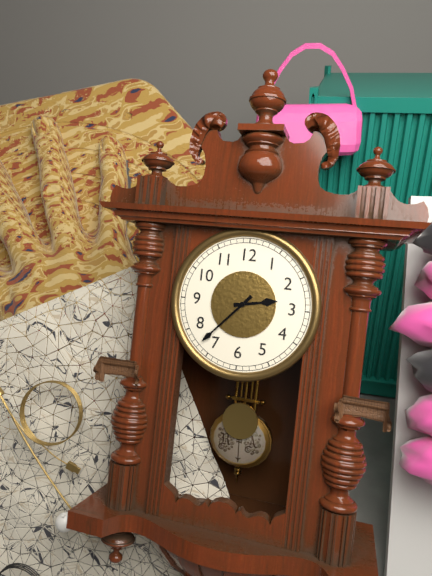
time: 2:37
